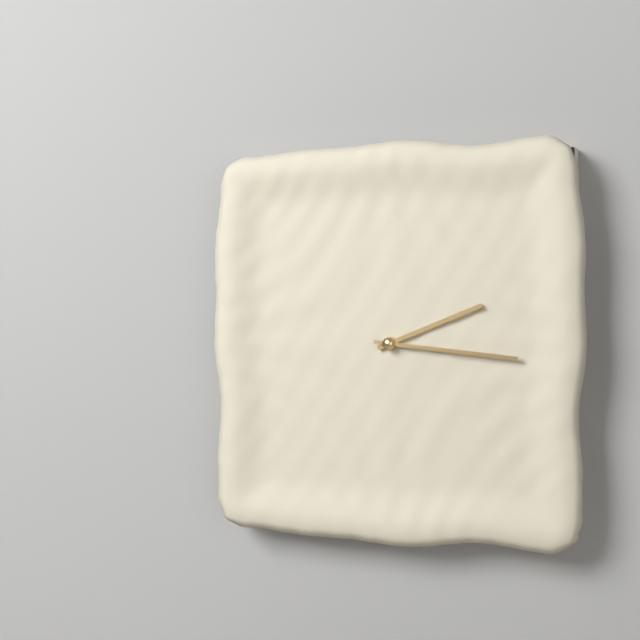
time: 2:16
